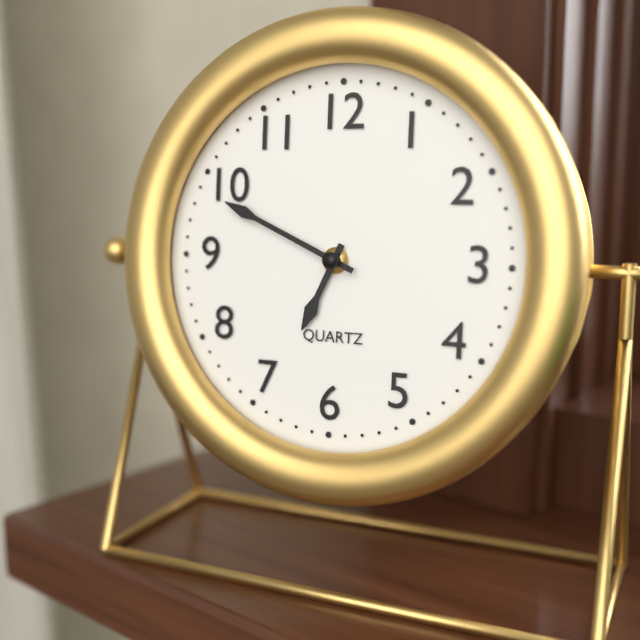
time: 6:49
